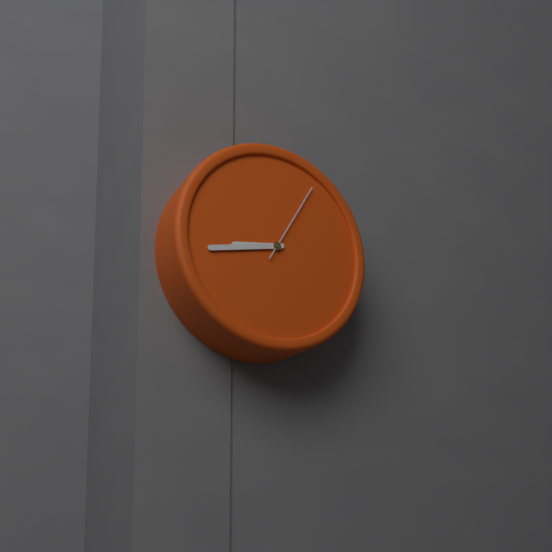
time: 8:43:05
